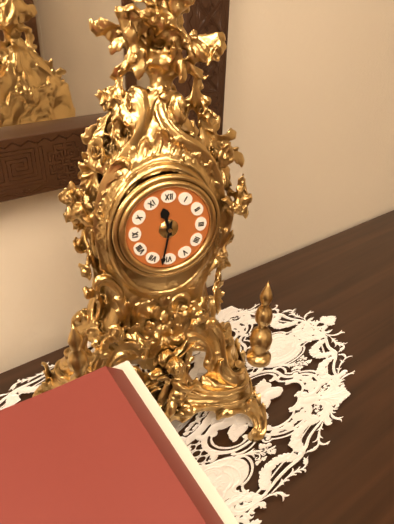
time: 11:32
